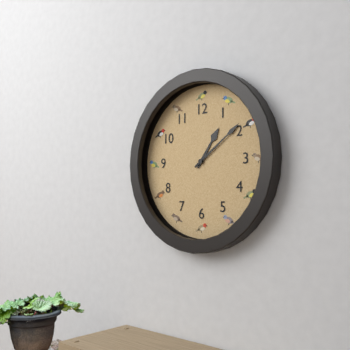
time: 1:09
